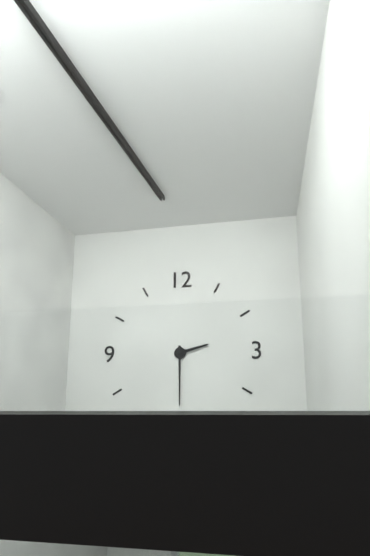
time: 2:30
